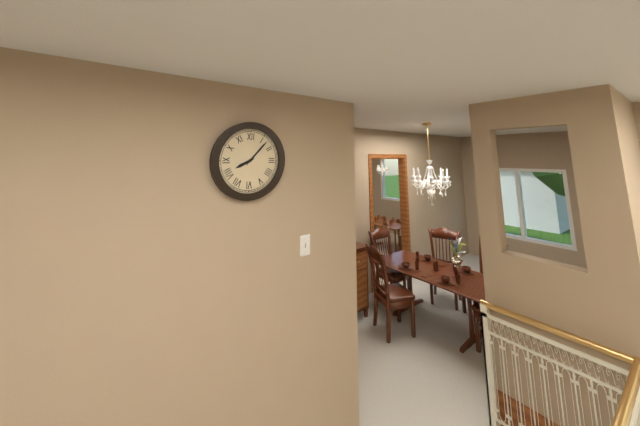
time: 8:07
